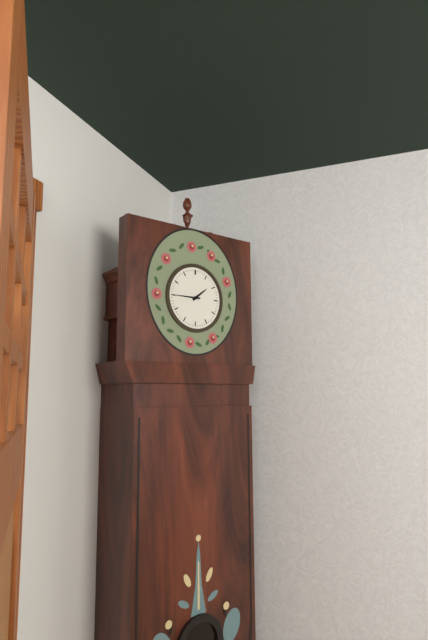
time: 1:45
